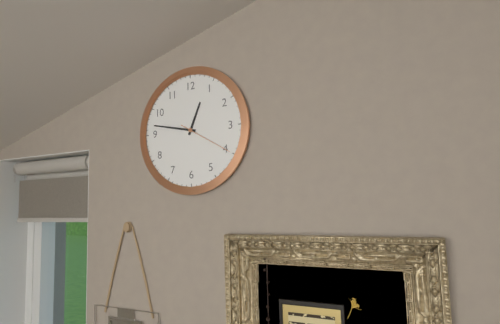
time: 12:47:20
